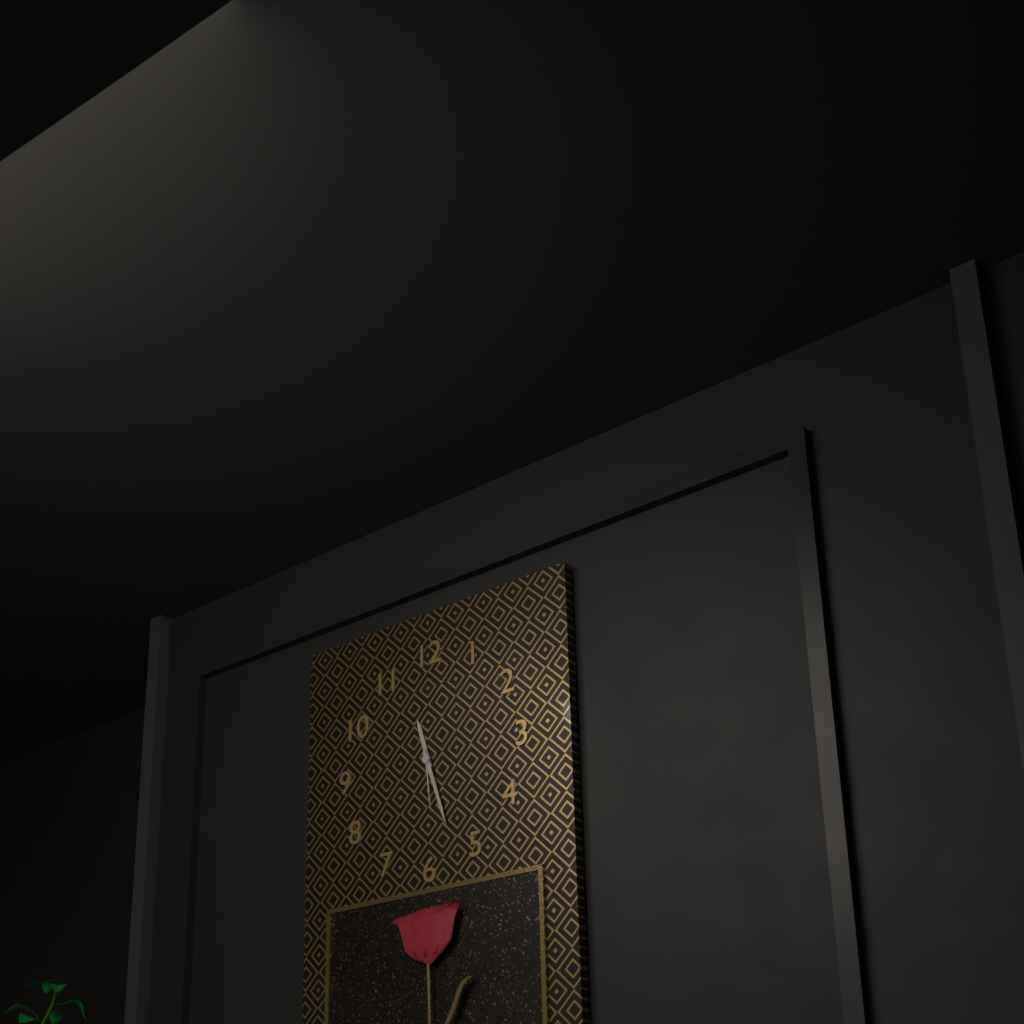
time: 11:27:29
